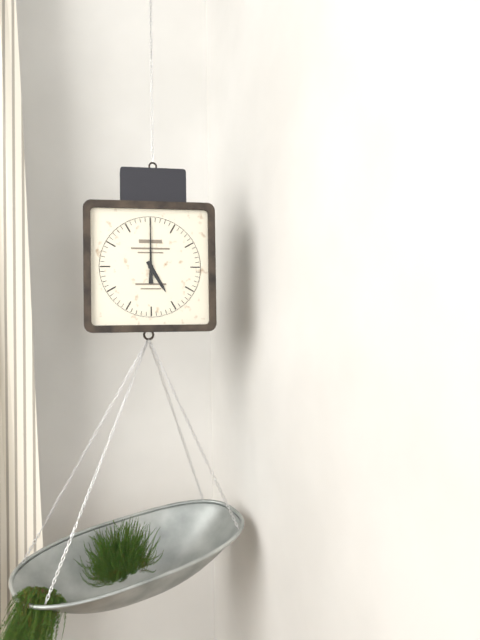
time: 5:00
